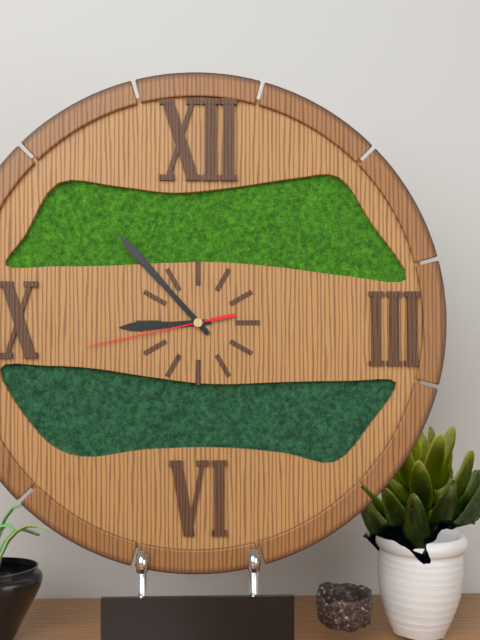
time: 8:53:43
